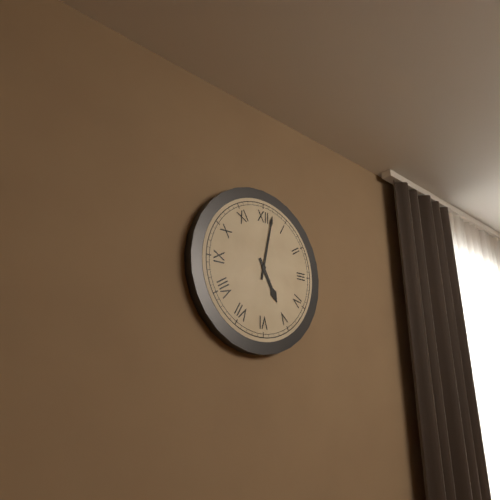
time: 5:02
